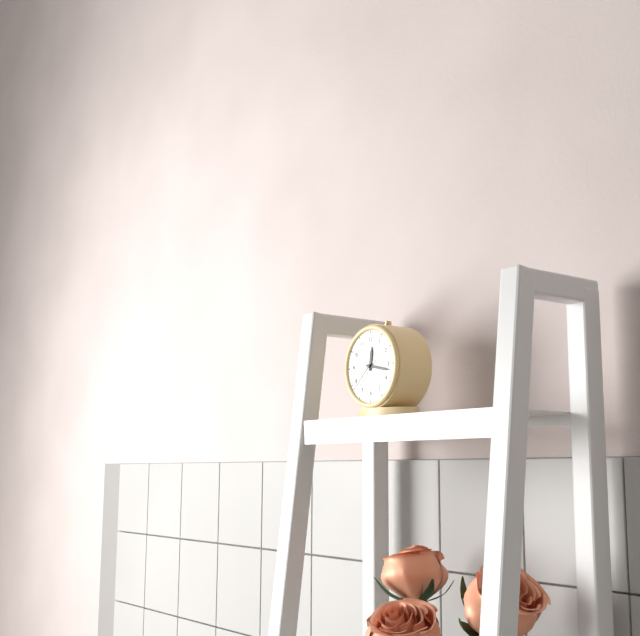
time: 12:17
